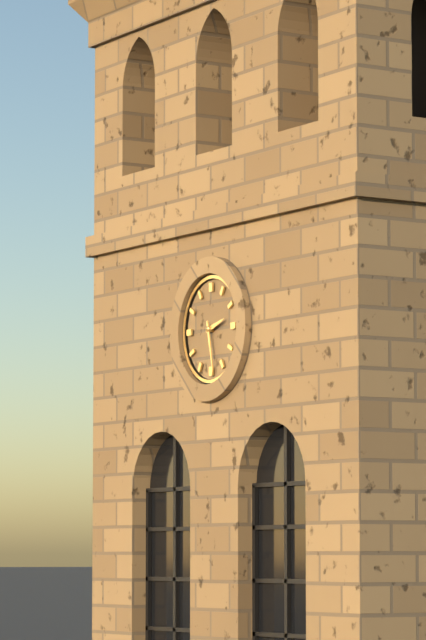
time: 2:28
